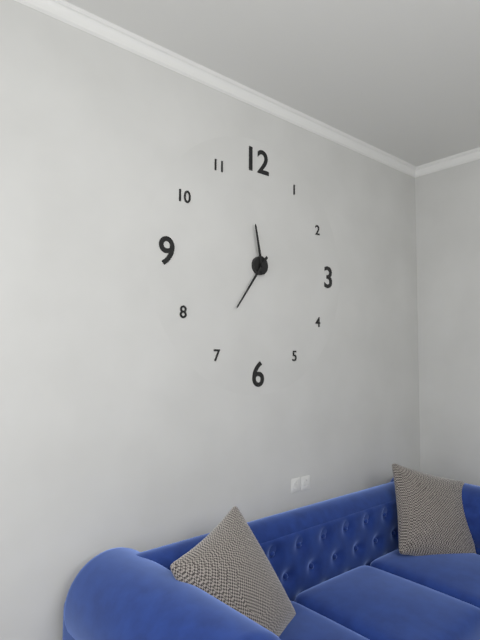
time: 11:36
